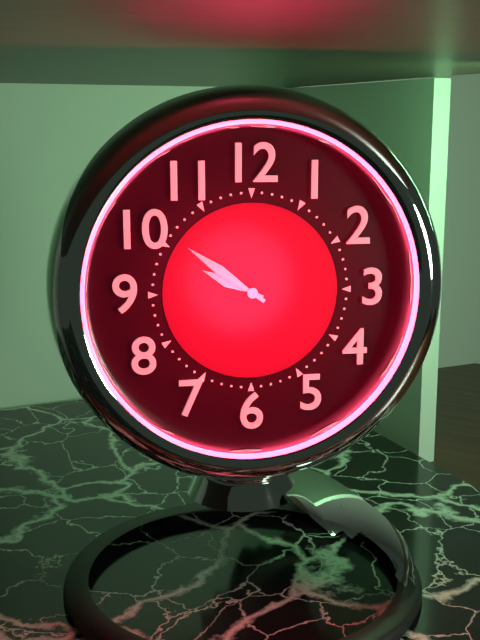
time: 9:51
